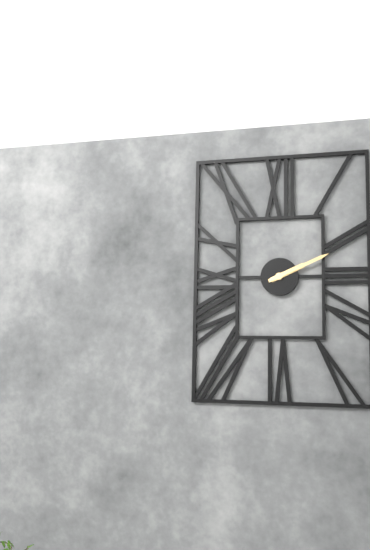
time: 2:11
